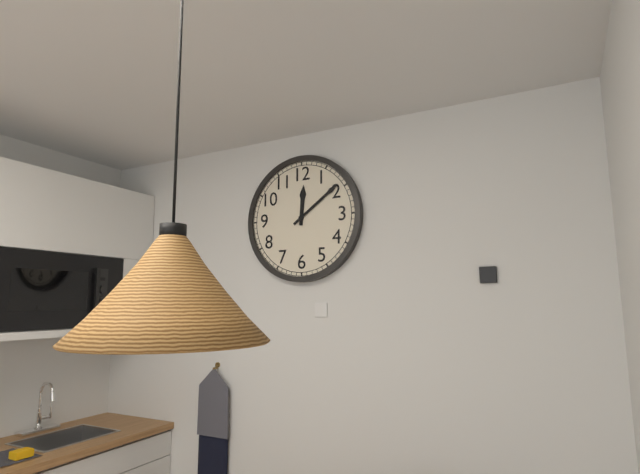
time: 12:09
